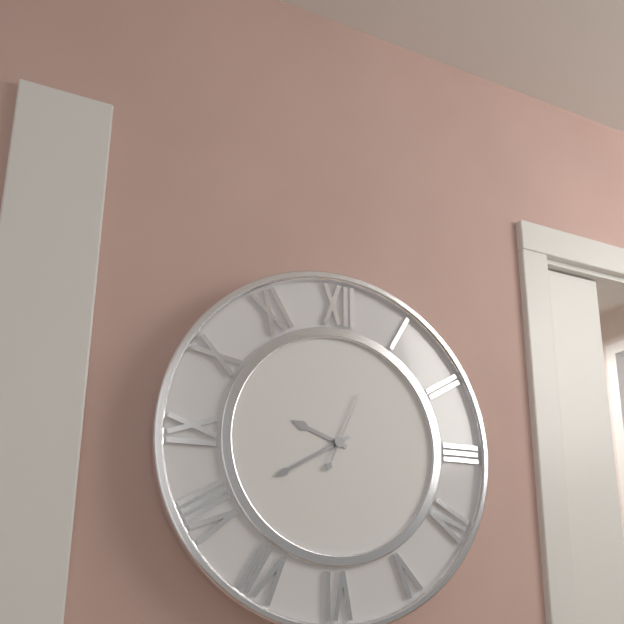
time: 9:40:04
